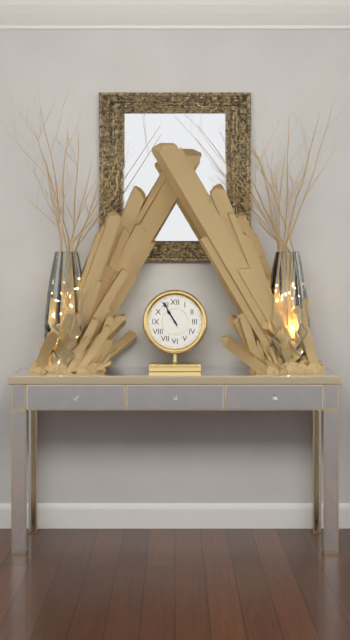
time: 10:55
